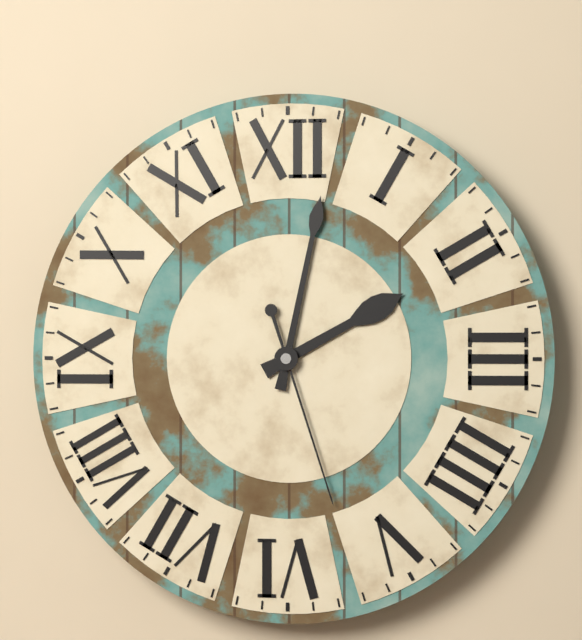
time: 2:02:27
